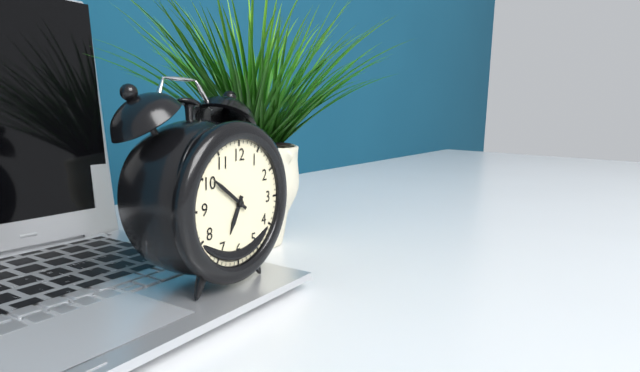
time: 6:51
